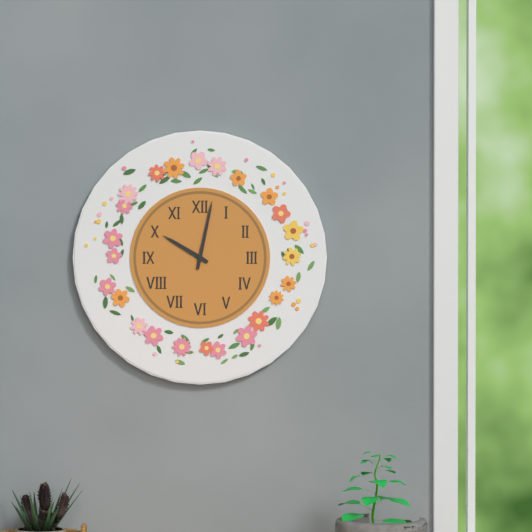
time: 10:02
